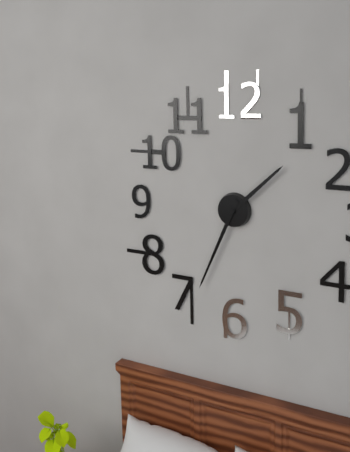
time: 1:34
